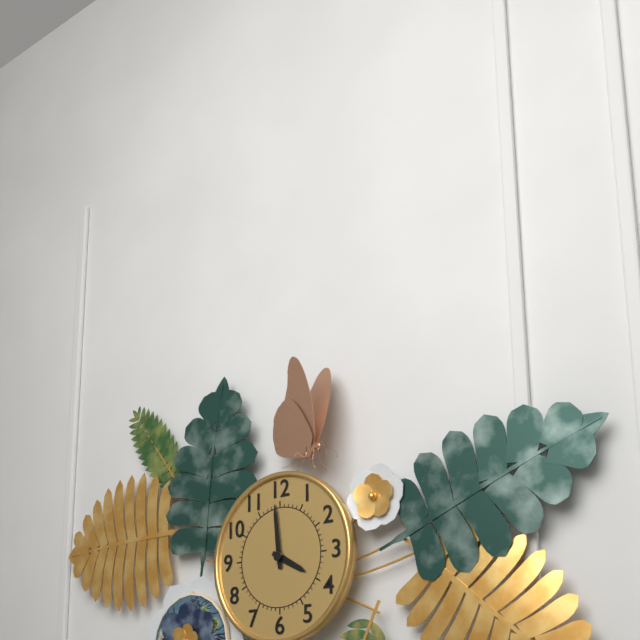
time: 3:59
